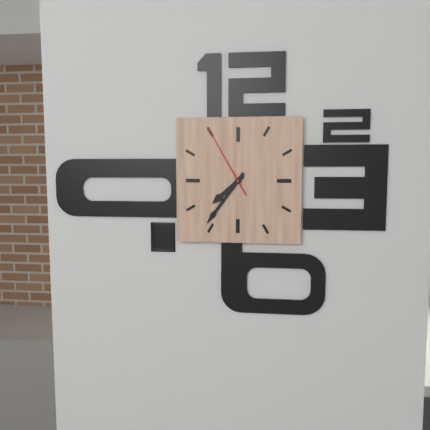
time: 7:36:55
